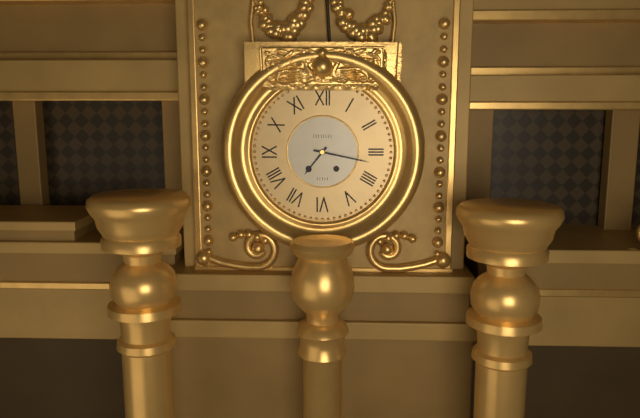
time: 7:17
